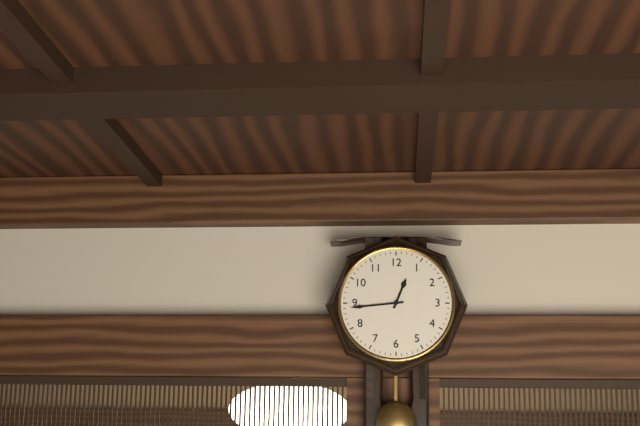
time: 12:44
